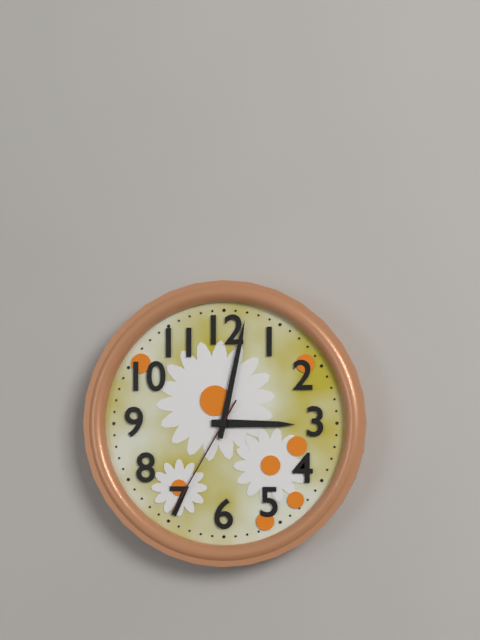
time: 3:02:35
